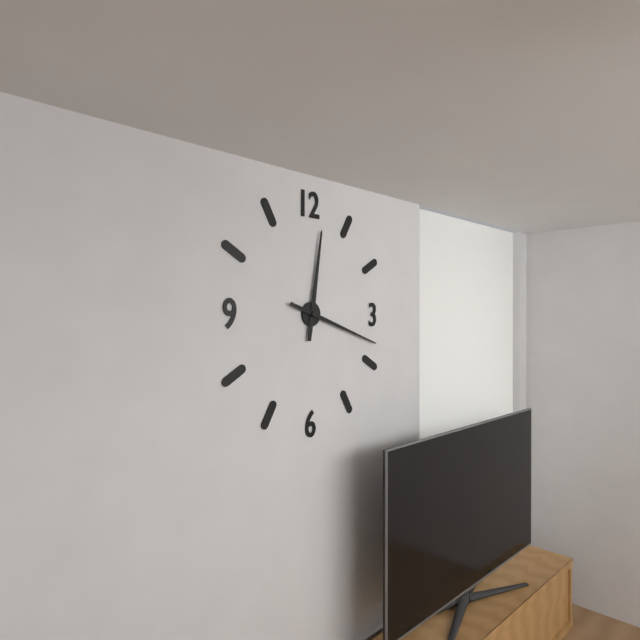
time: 12:18
